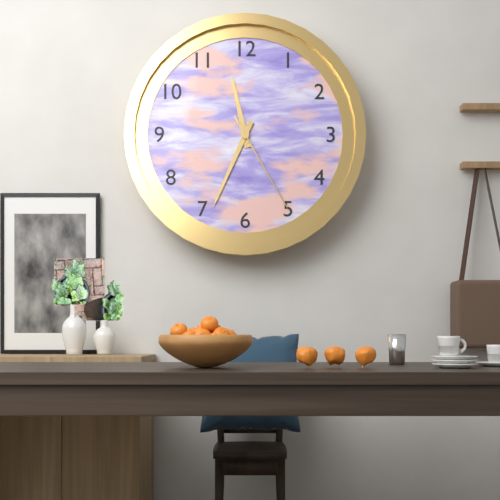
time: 11:34:25
